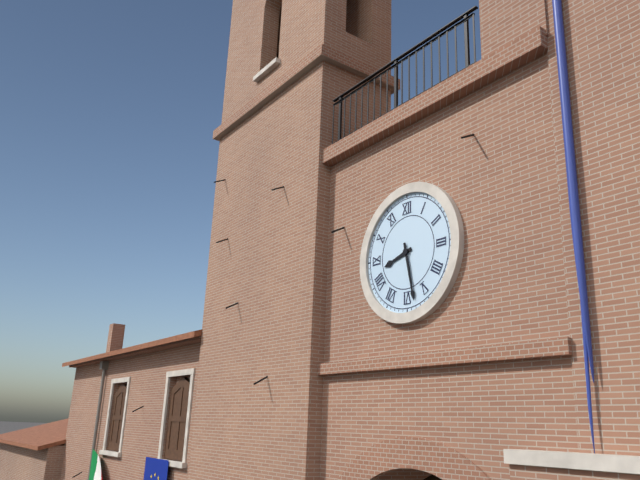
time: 8:28
